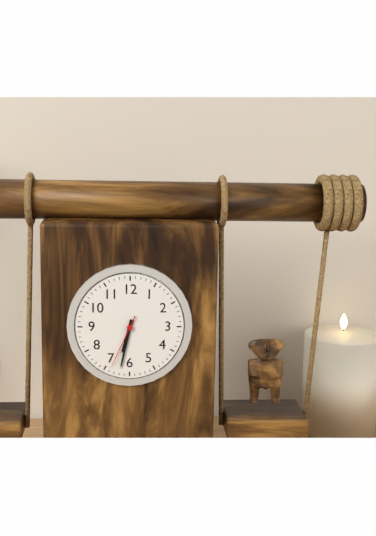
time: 6:32:34
